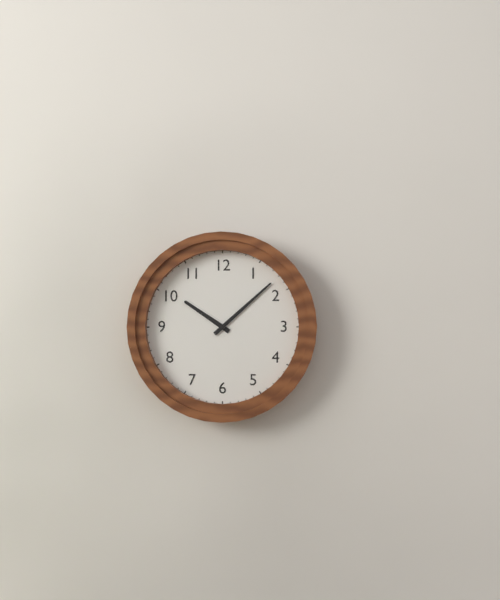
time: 10:08
